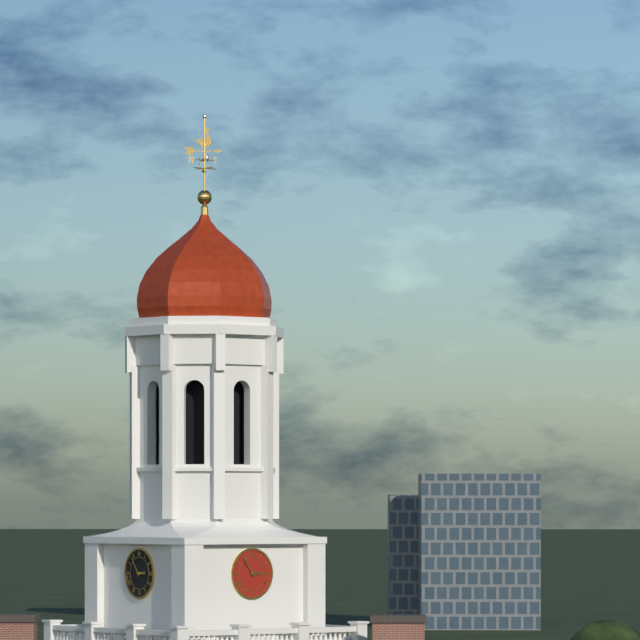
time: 2:54
